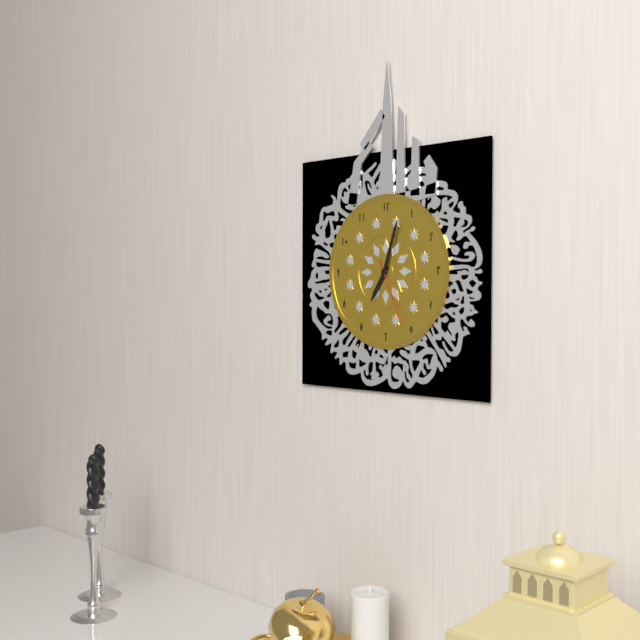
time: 7:03:26
